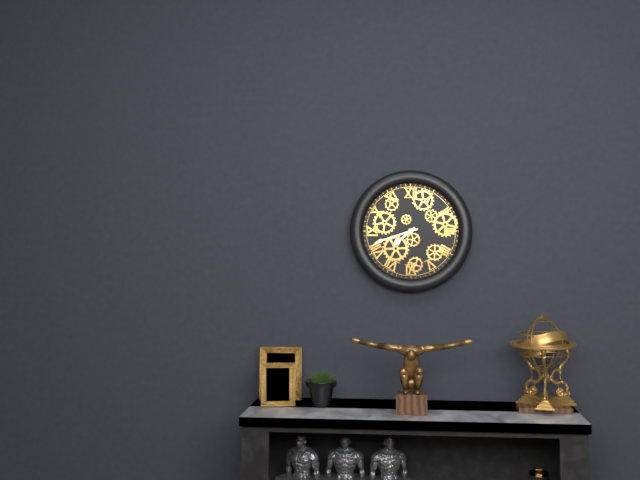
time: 7:42
